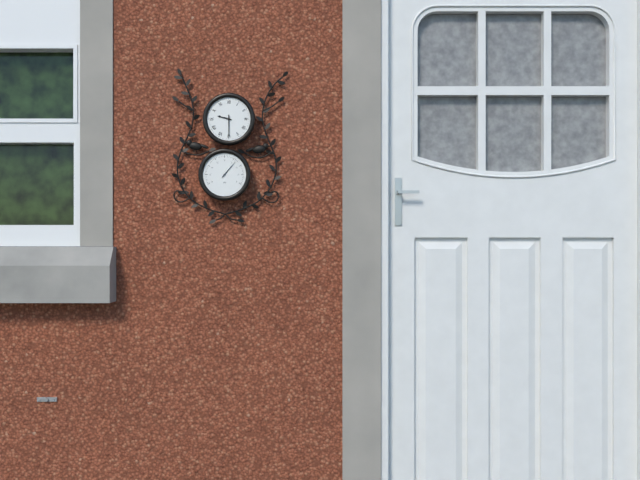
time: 9:30
